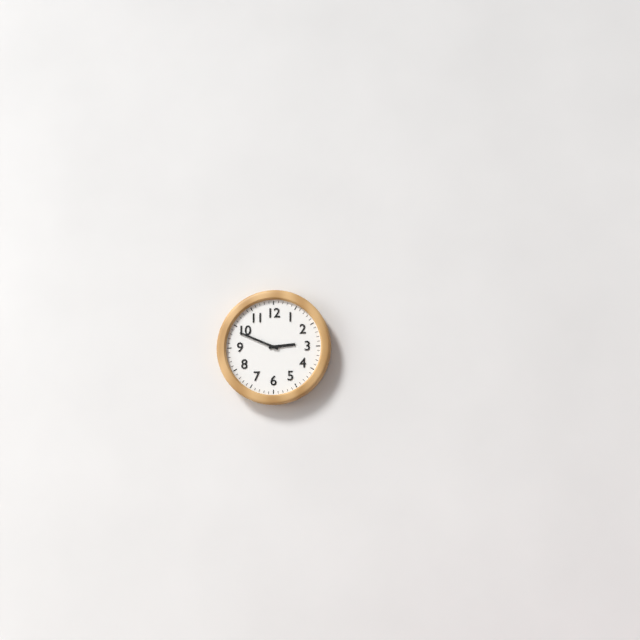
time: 2:49
